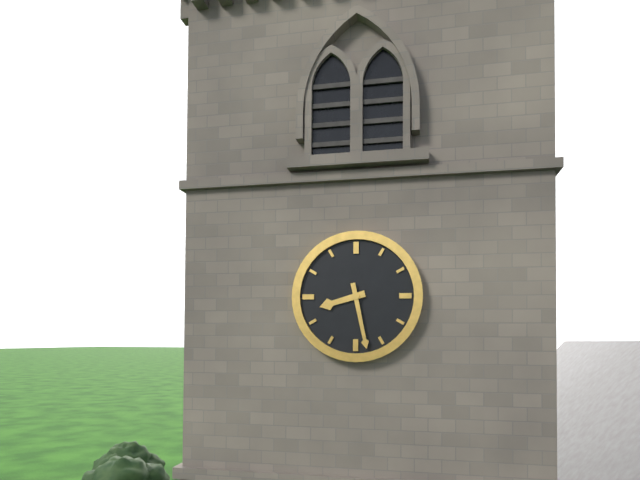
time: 8:28
